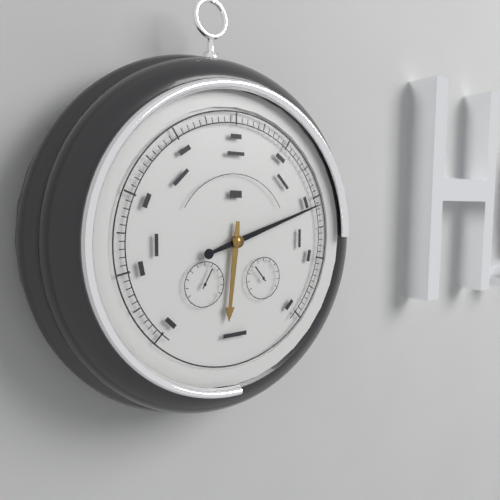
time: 6:12
